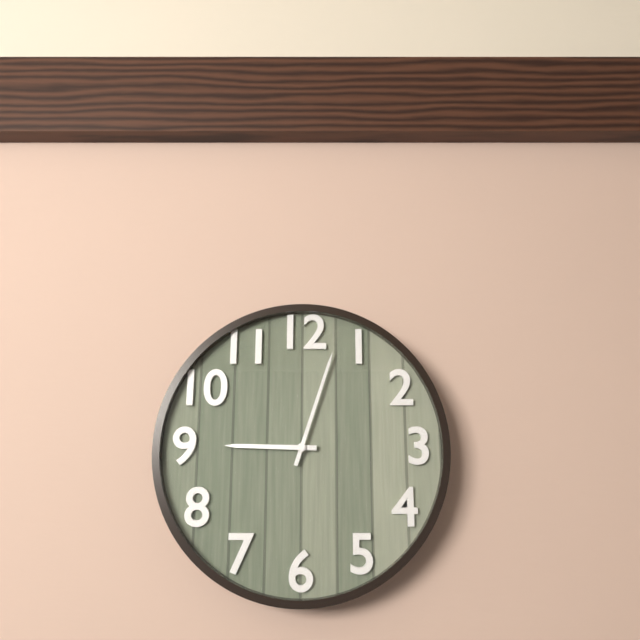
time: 9:03
